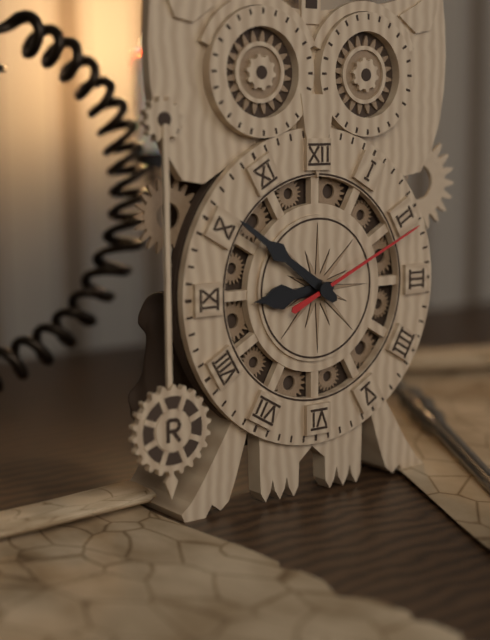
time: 8:51:11
